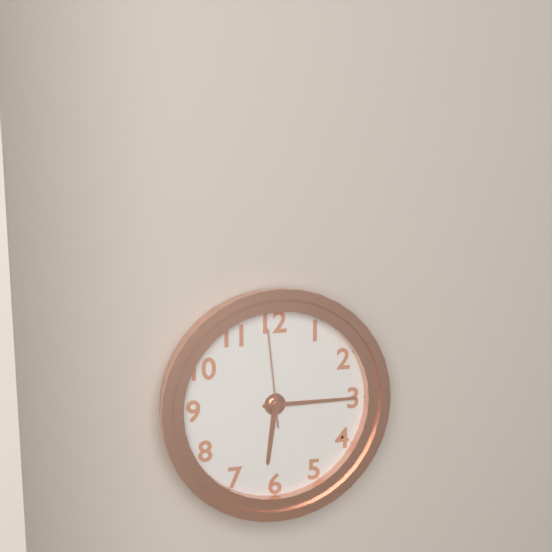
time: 6:15:59
